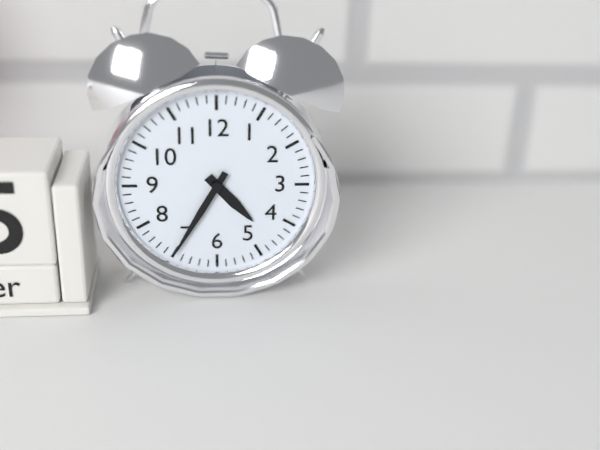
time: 4:35
